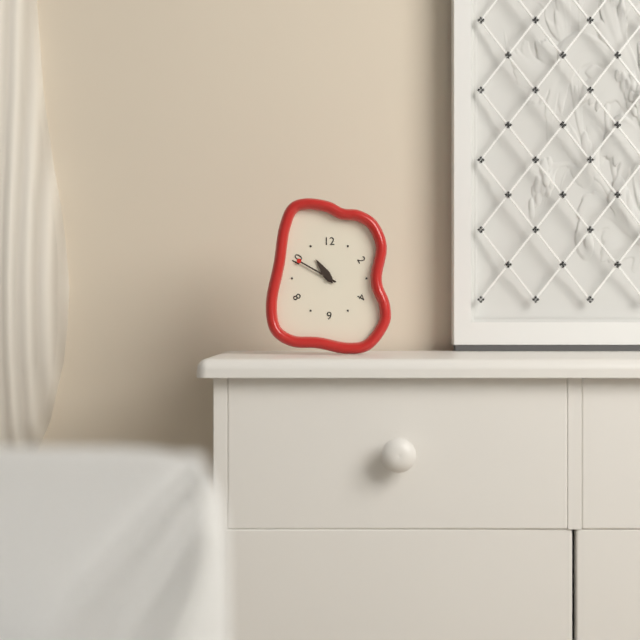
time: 10:50
